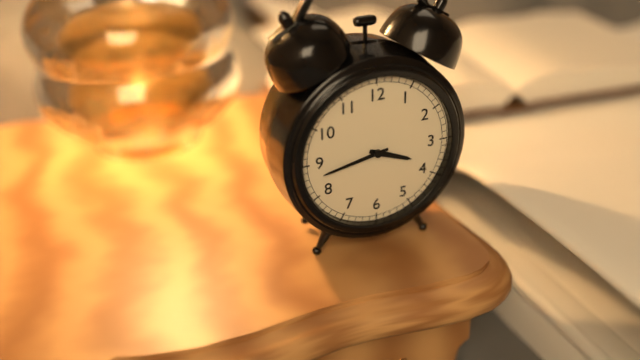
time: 3:43
